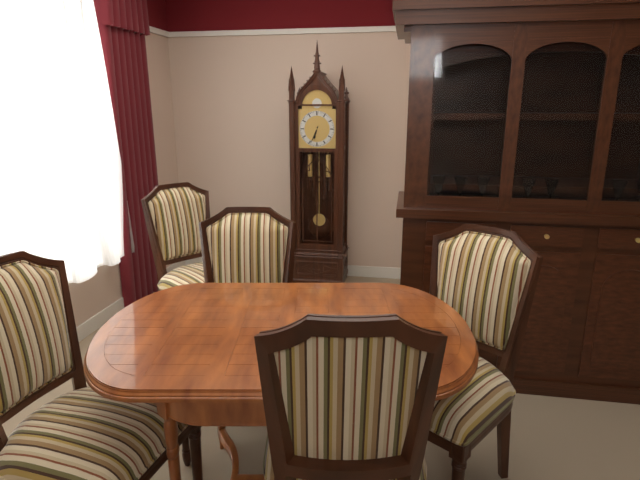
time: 6:34
